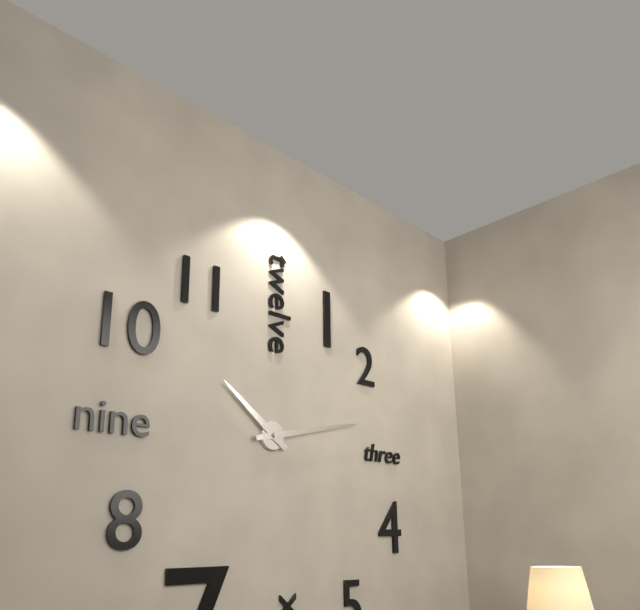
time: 10:13
